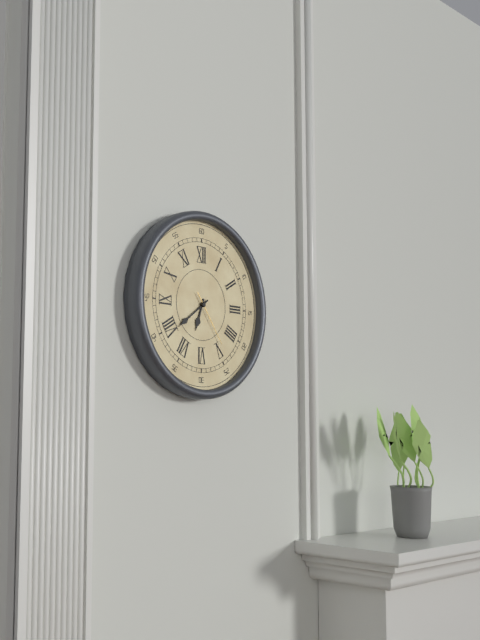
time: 6:39:24
